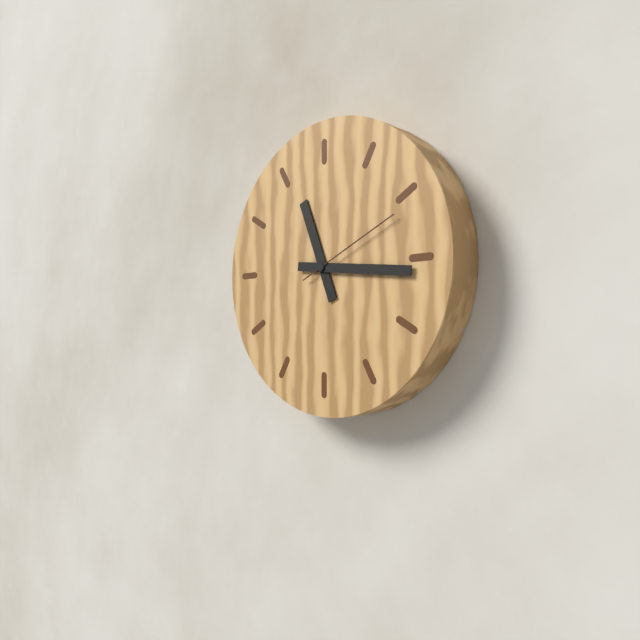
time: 11:16:11
